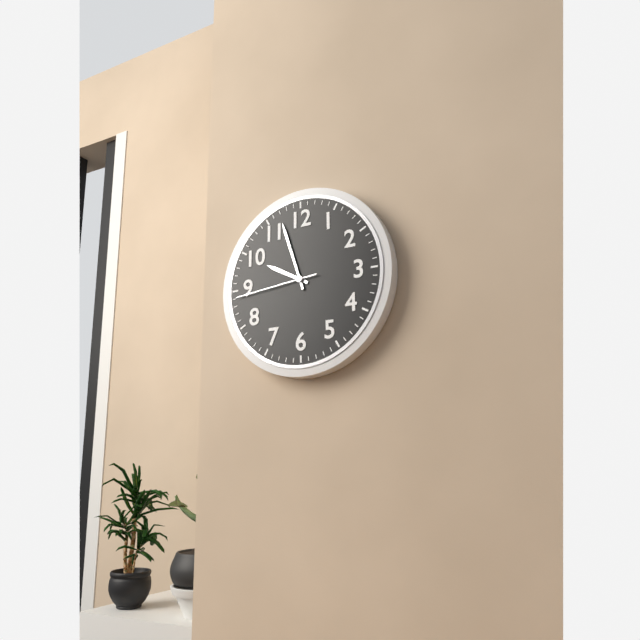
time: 9:57:44
